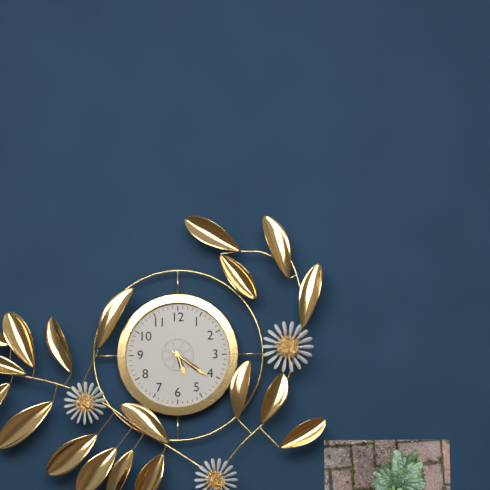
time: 5:21
